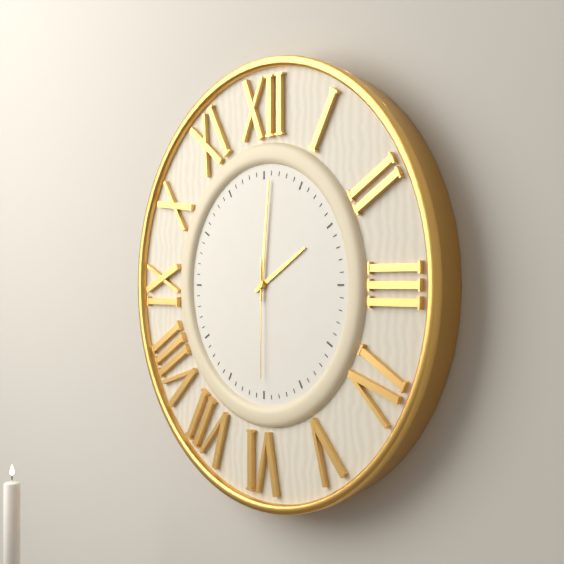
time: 2:01:30
